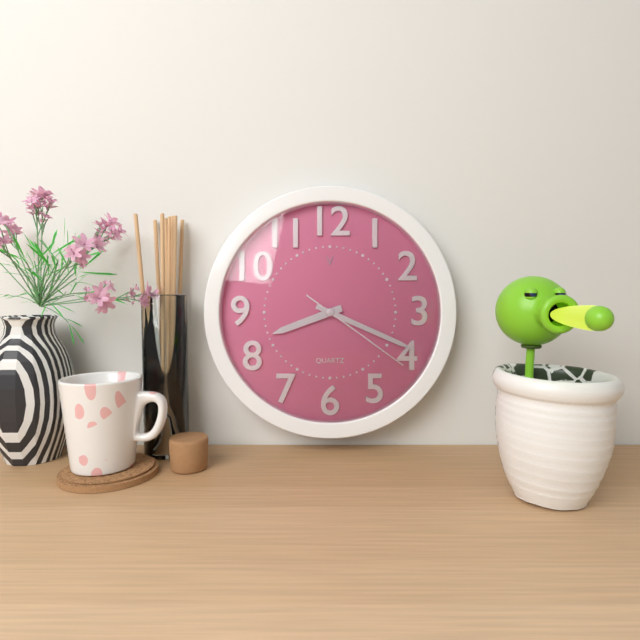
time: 8:19:21
